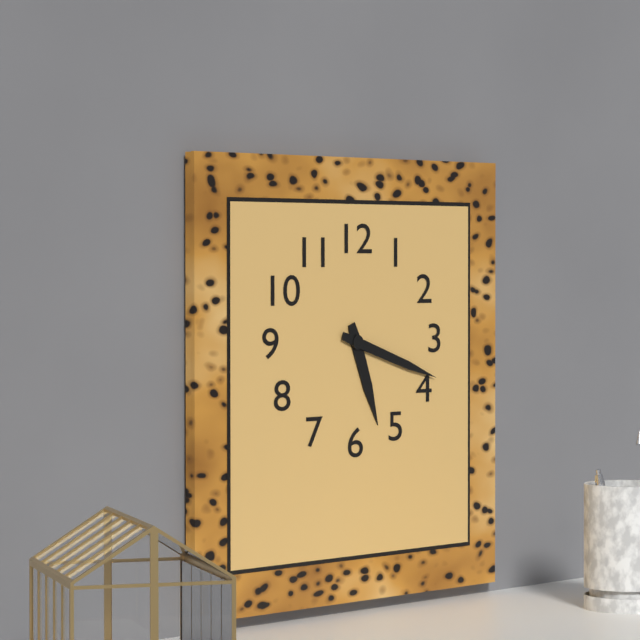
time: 5:18
